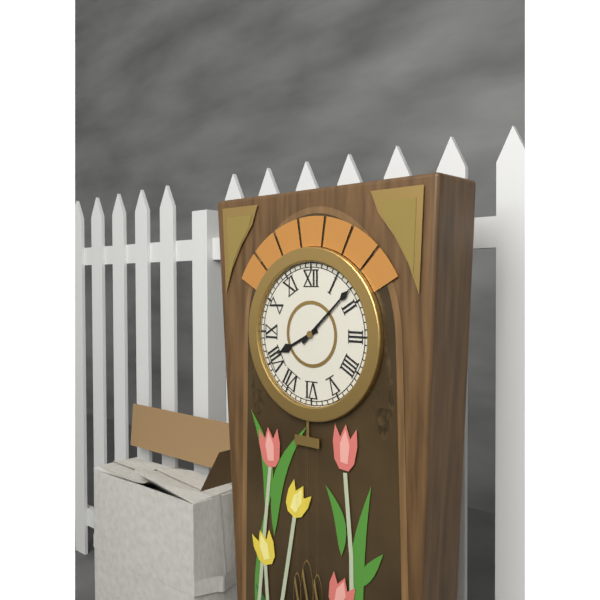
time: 8:08
